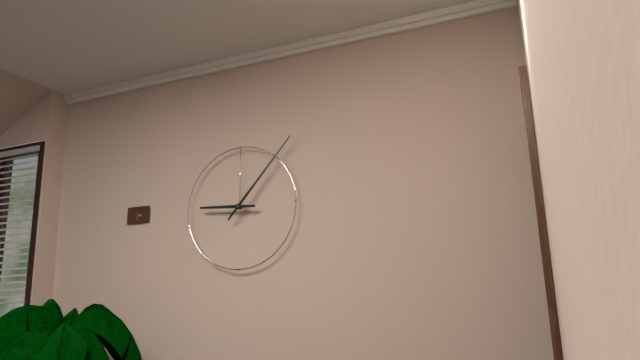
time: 9:07
